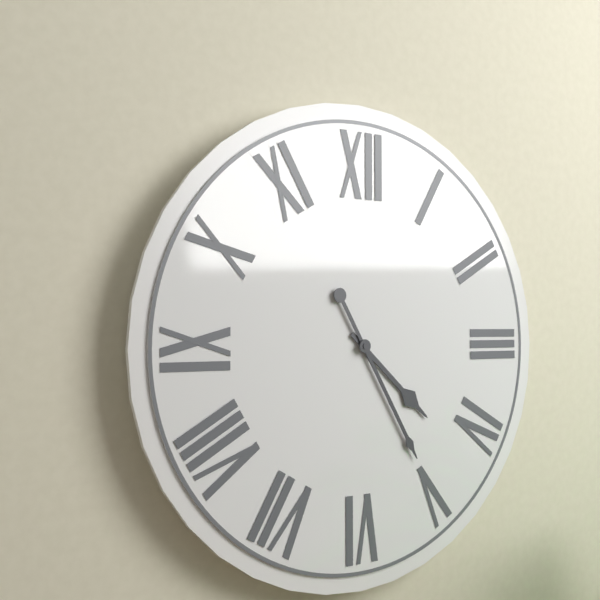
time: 4:25
